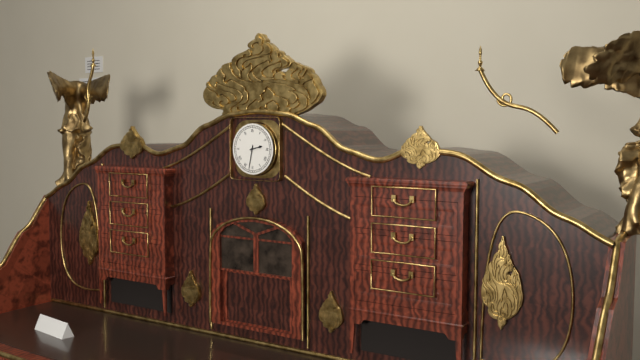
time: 2:32
